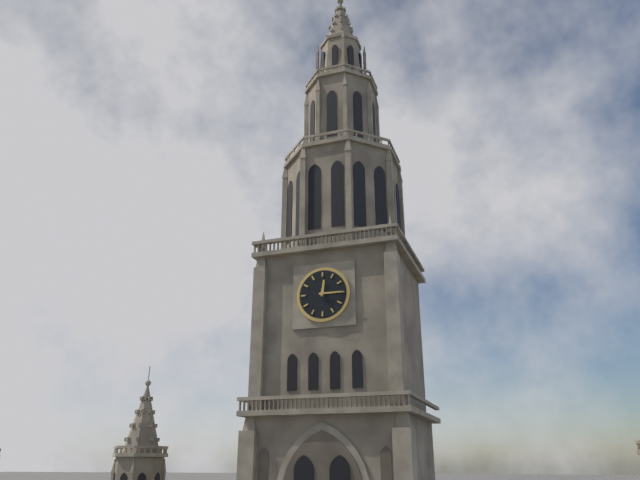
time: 12:15
